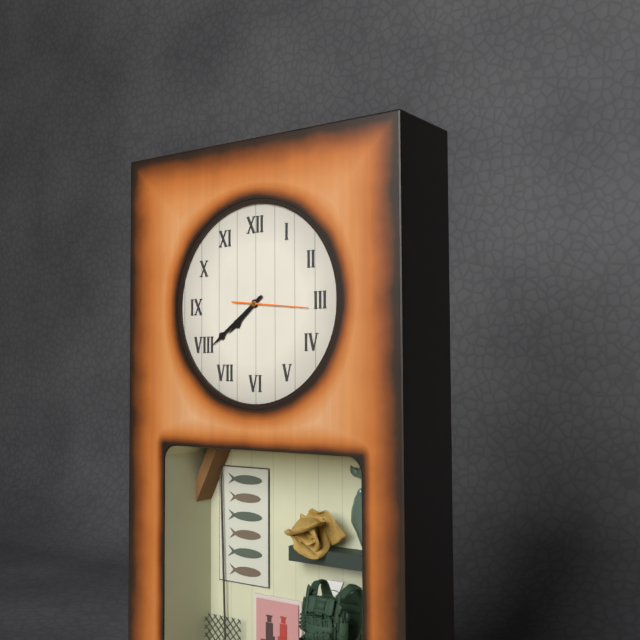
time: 7:39:16
